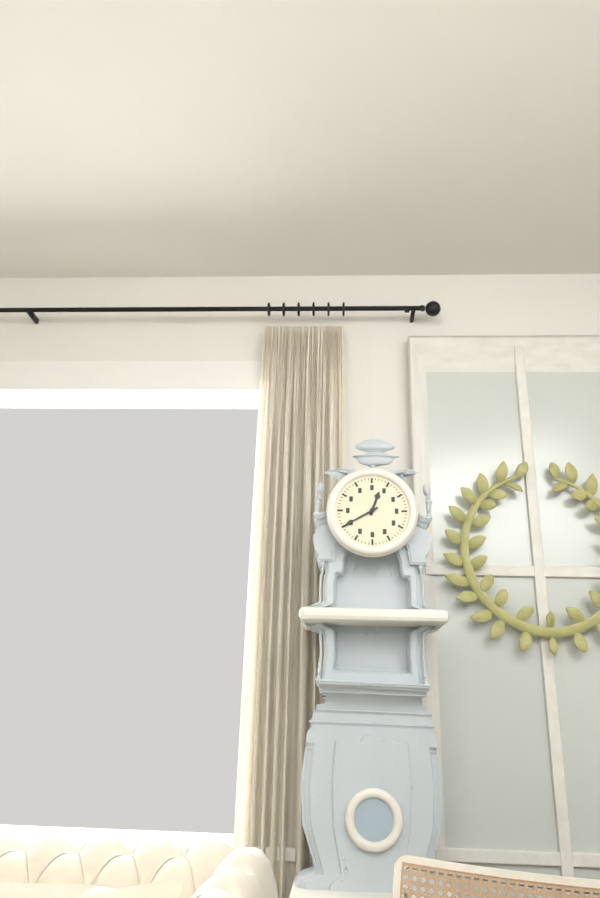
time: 12:40
